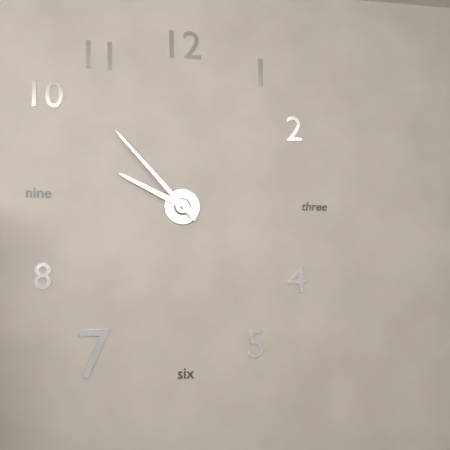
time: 9:53
